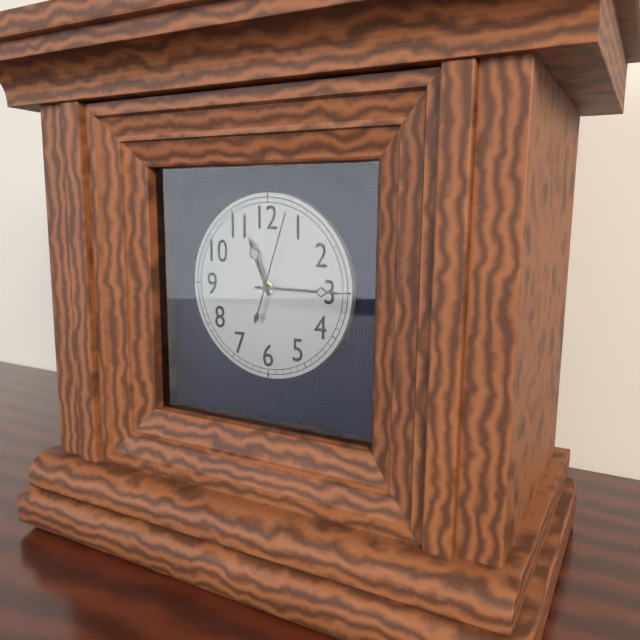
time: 11:15:03
